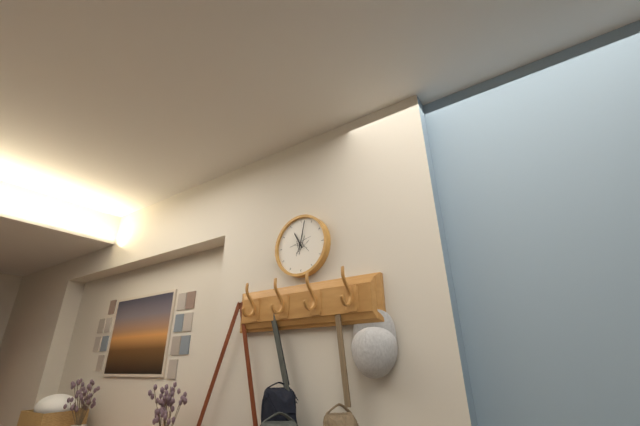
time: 11:02
